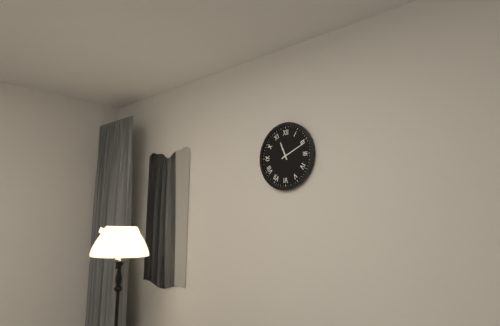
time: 11:11
